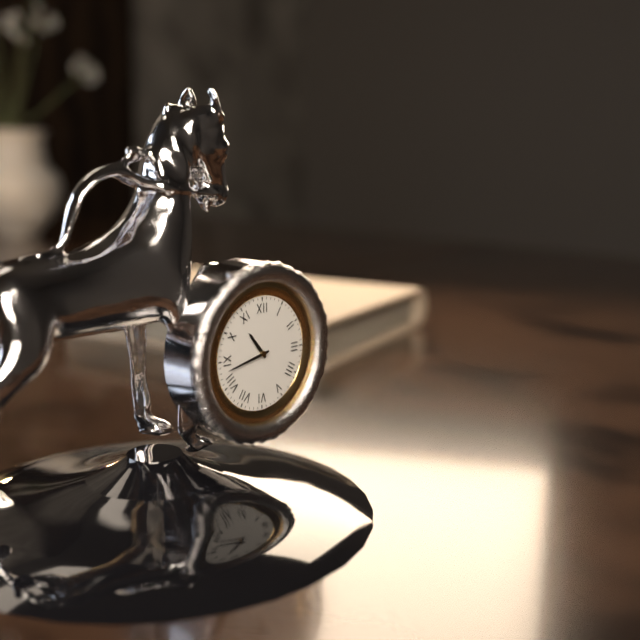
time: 10:43
